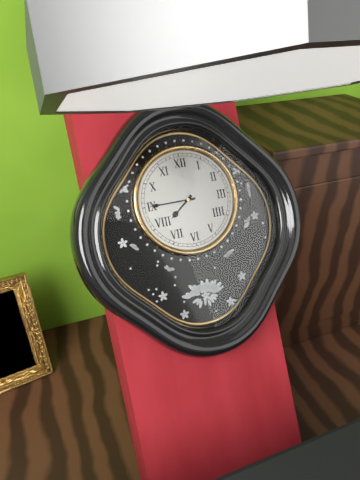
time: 7:45
